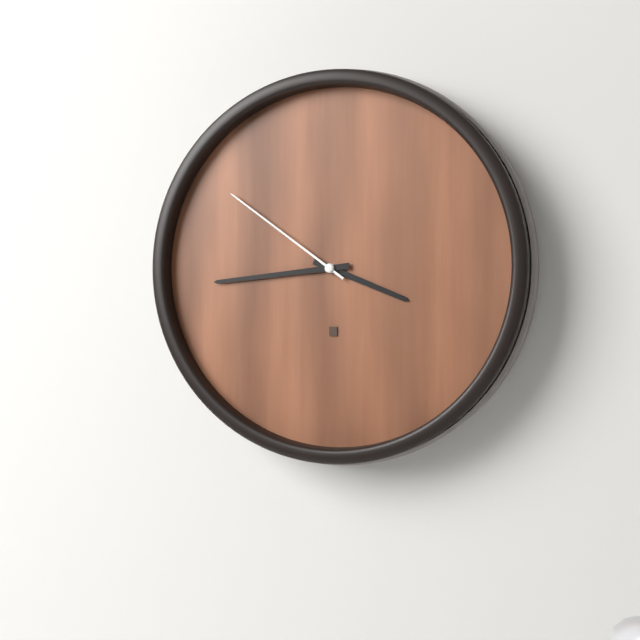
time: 3:44:51
